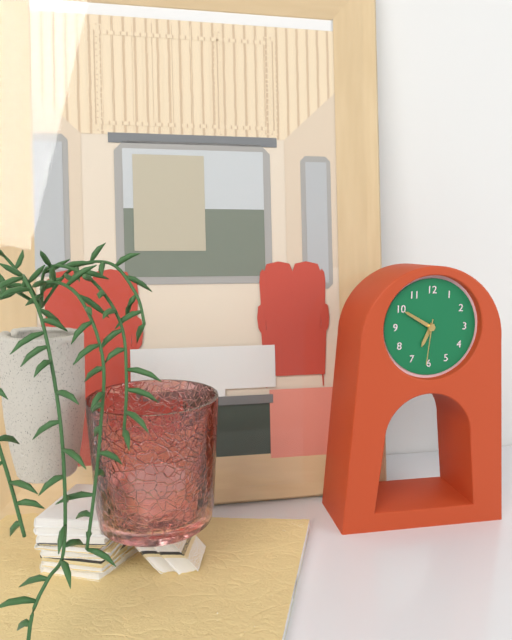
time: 6:50
